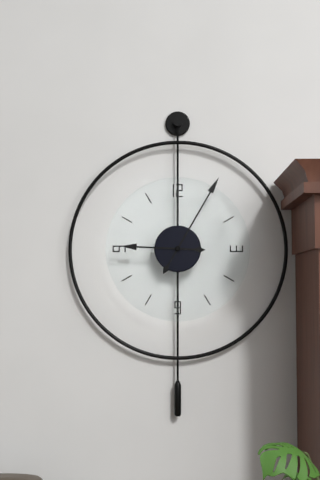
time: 9:05
